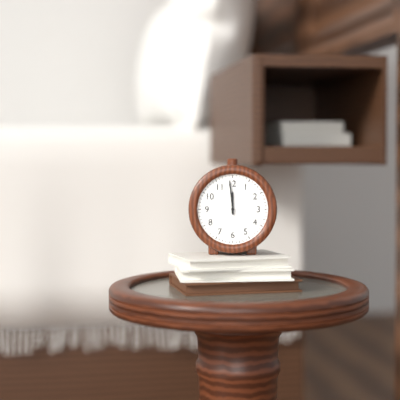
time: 11:59
